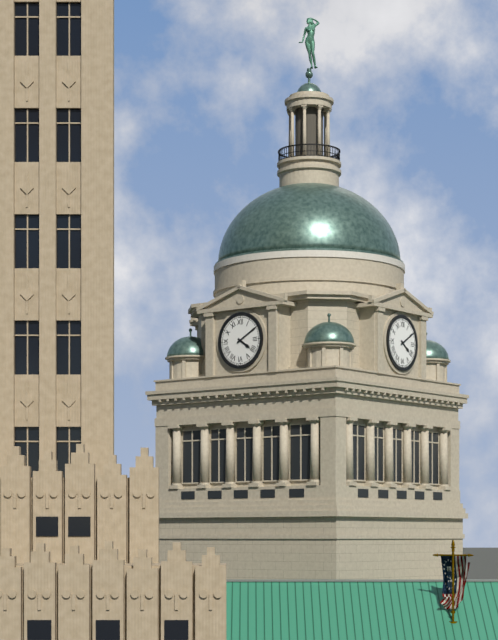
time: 4:10
